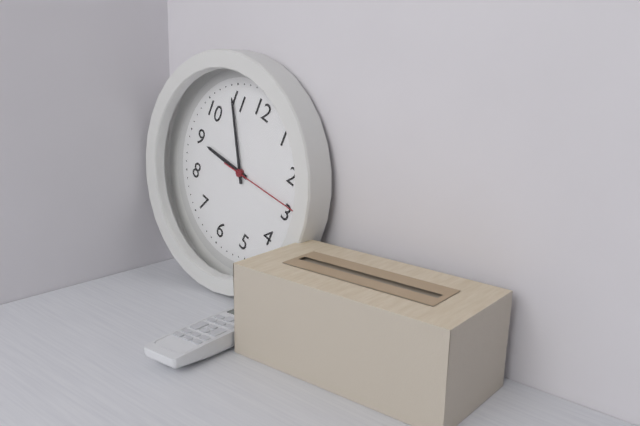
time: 8:54:14
